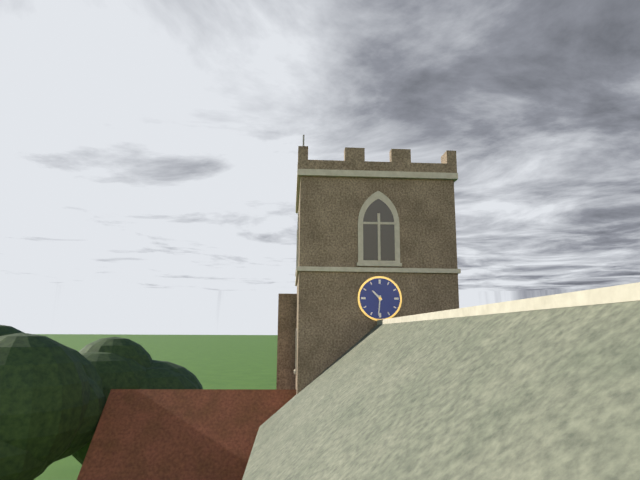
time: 10:31
